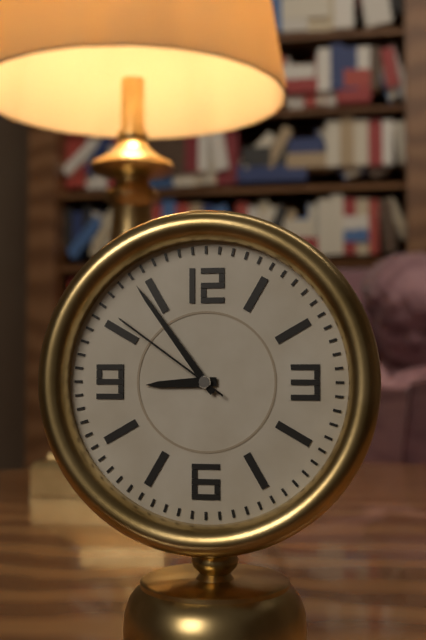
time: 8:54:51
